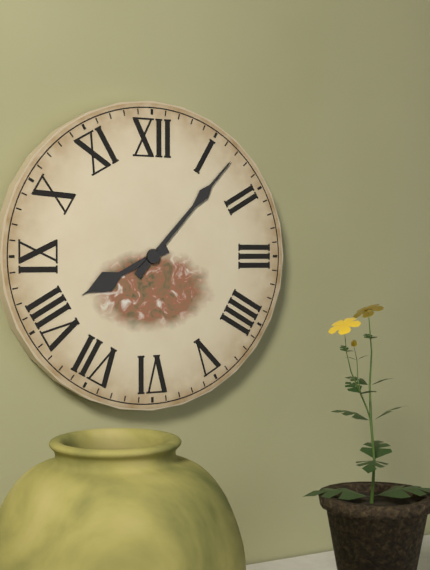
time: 8:07
